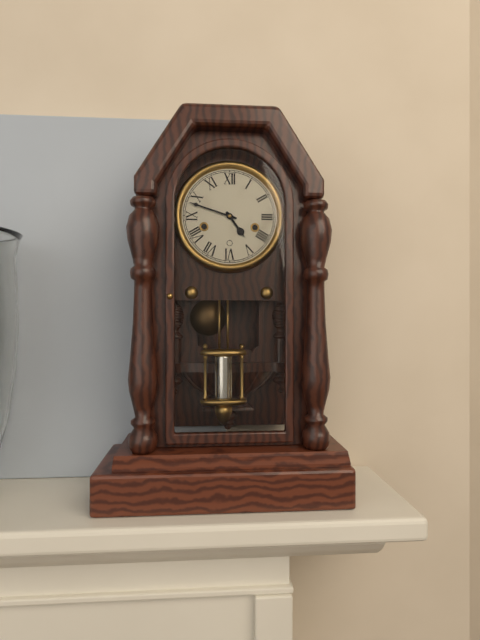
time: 4:48
